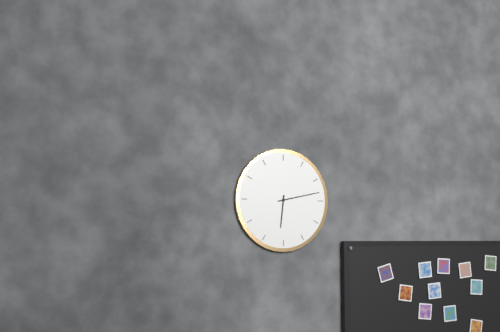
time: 6:13
